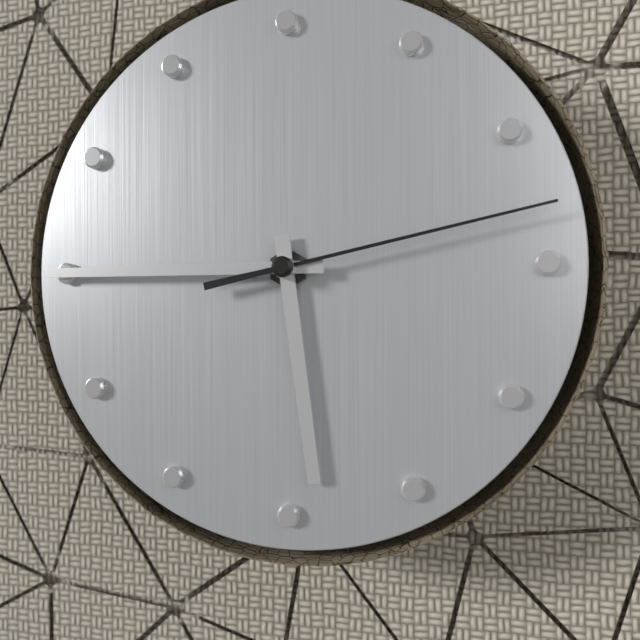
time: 5:45:13
